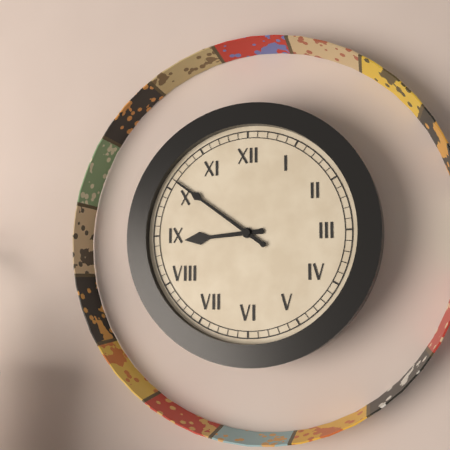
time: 8:51
